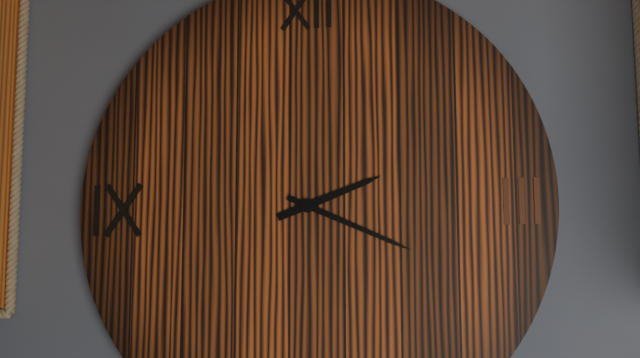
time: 2:19
